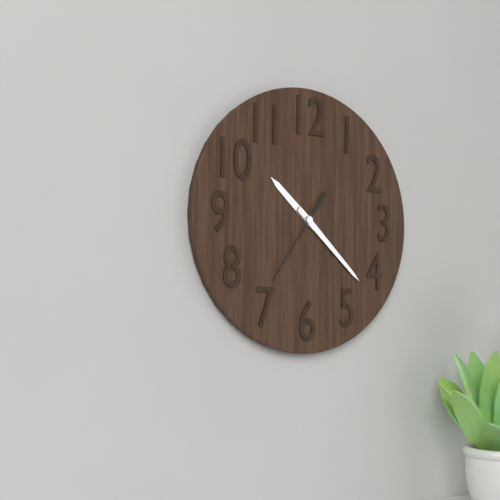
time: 10:22:36
